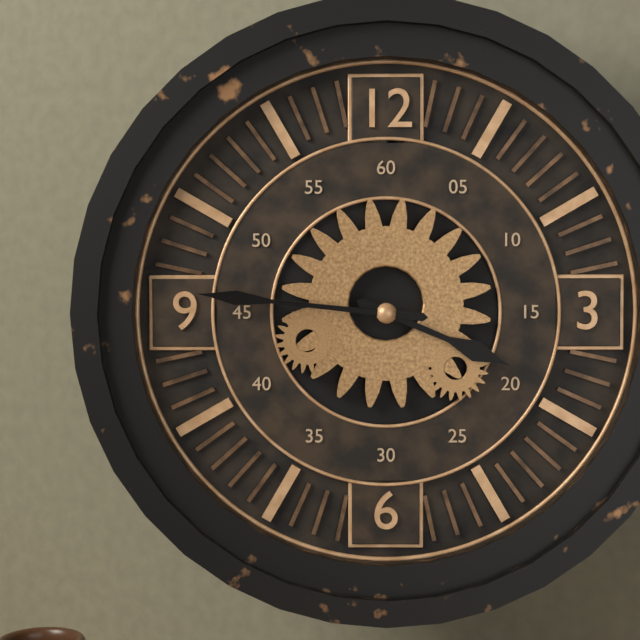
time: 3:46
